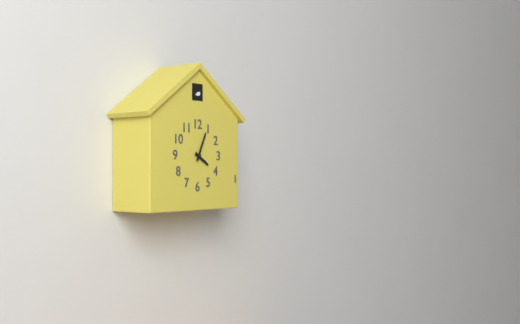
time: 4:04
